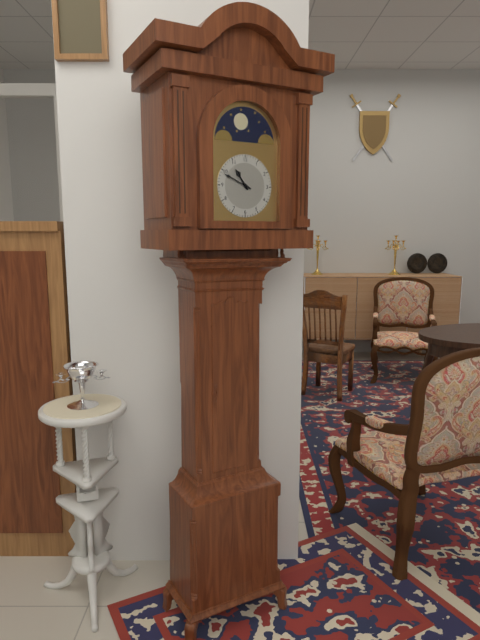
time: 10:49
